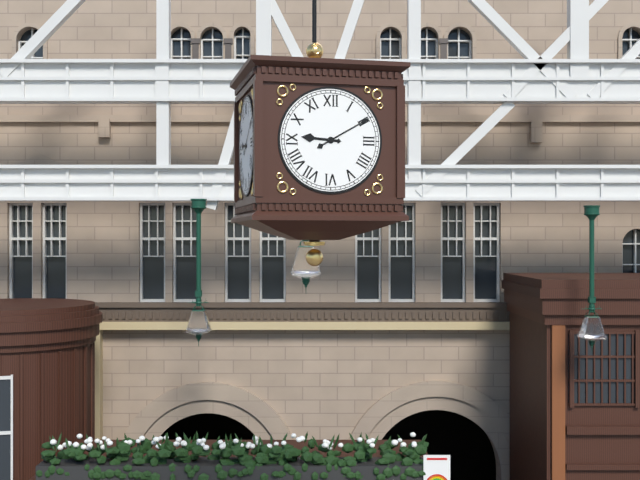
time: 9:10
